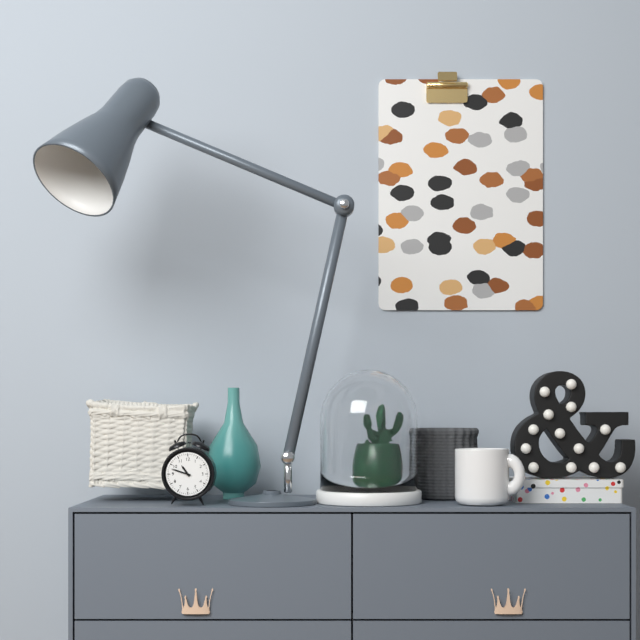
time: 10:48
